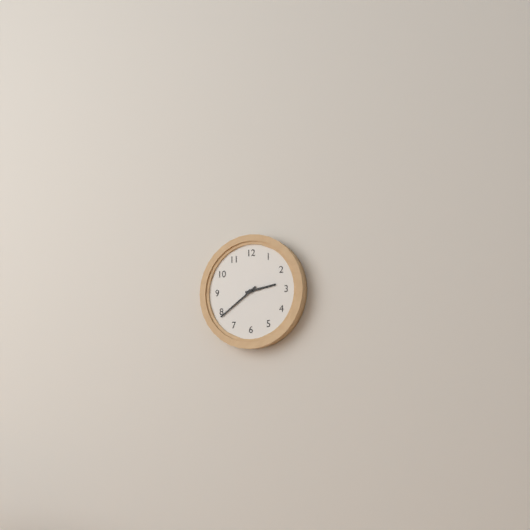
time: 2:39
